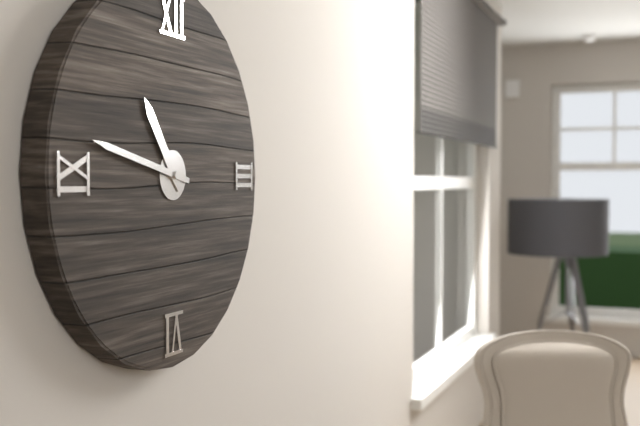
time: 10:47
